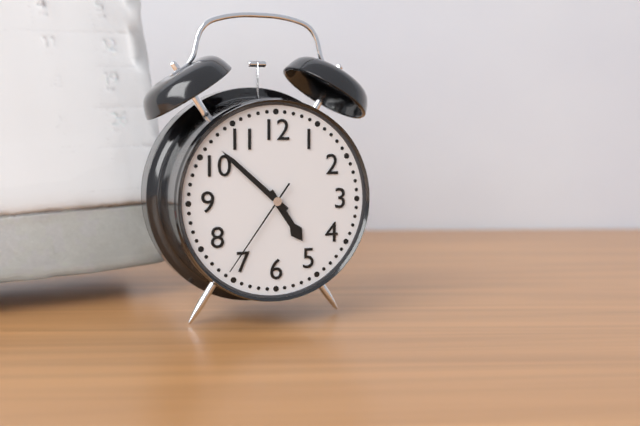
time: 4:52:36
